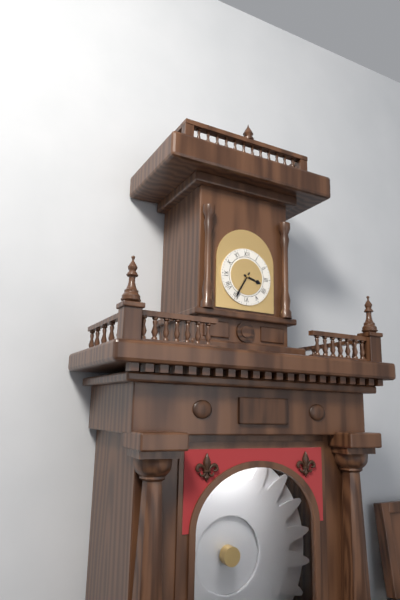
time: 3:35
